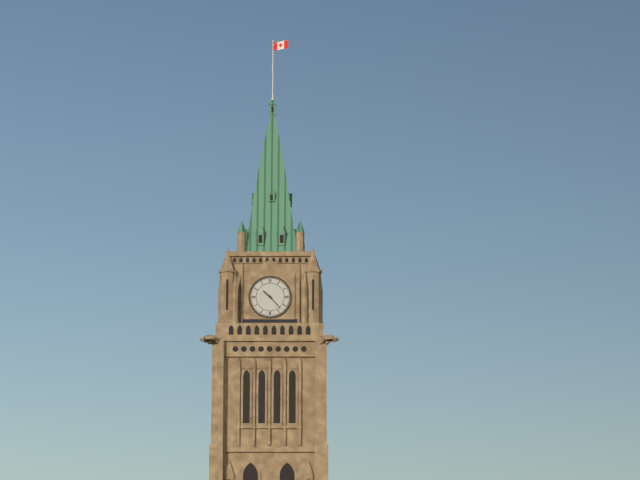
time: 10:23
